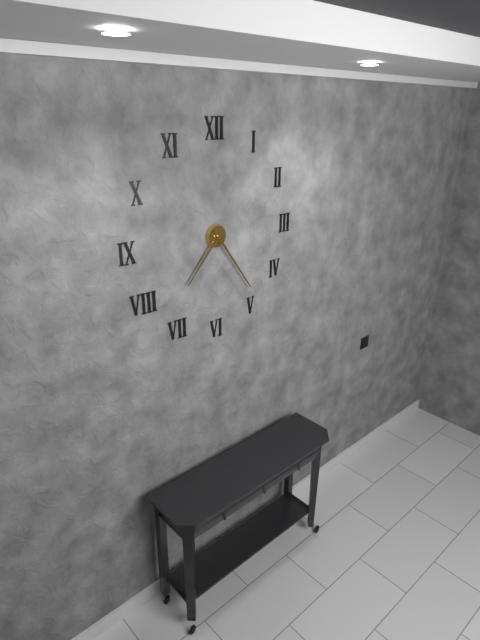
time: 7:24
